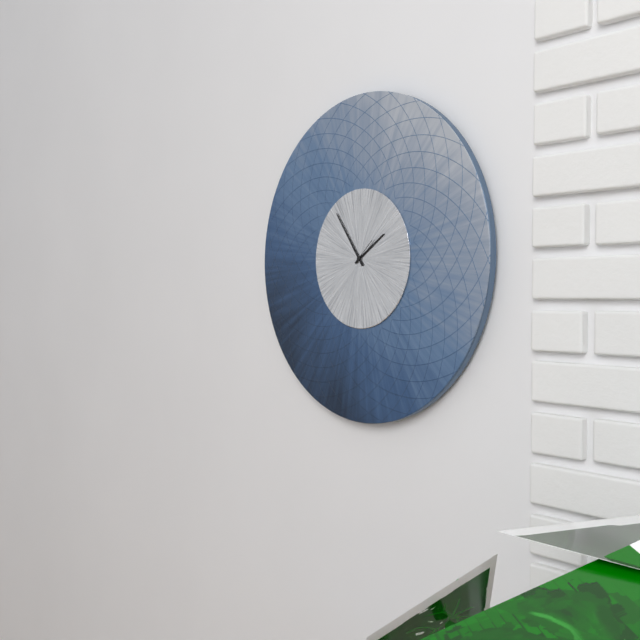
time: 1:54
